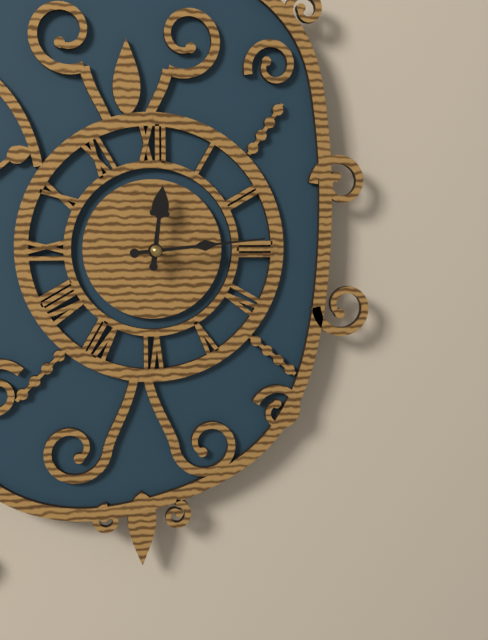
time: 12:14
